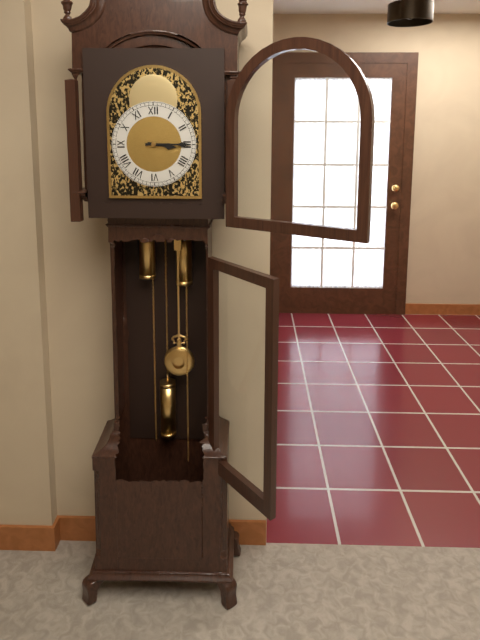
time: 3:15
